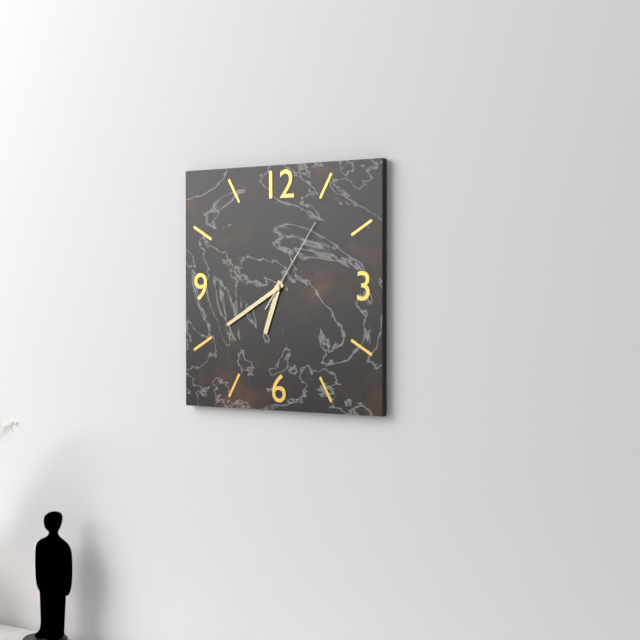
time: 6:40:06
